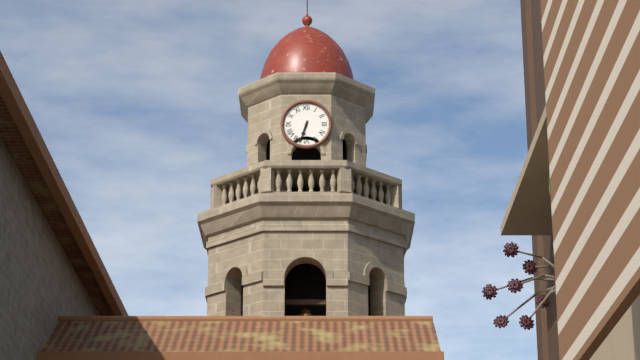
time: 6:33
